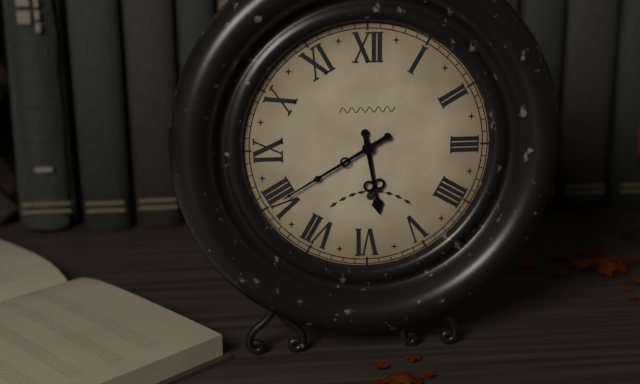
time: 5:40
